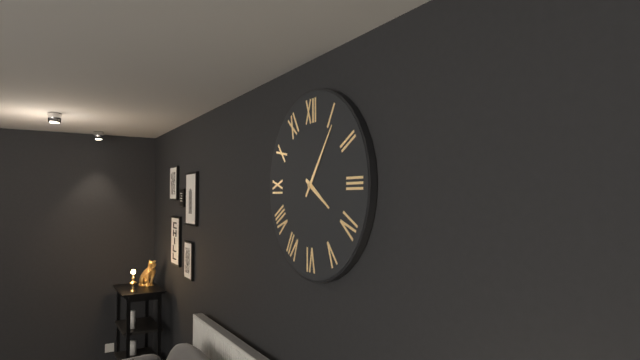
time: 4:06
